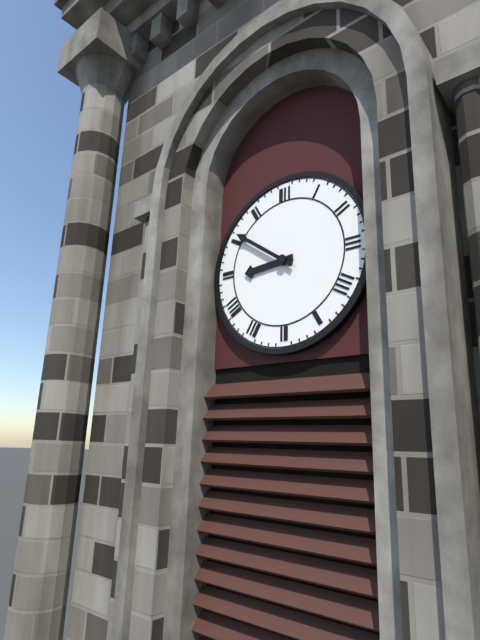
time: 8:51
